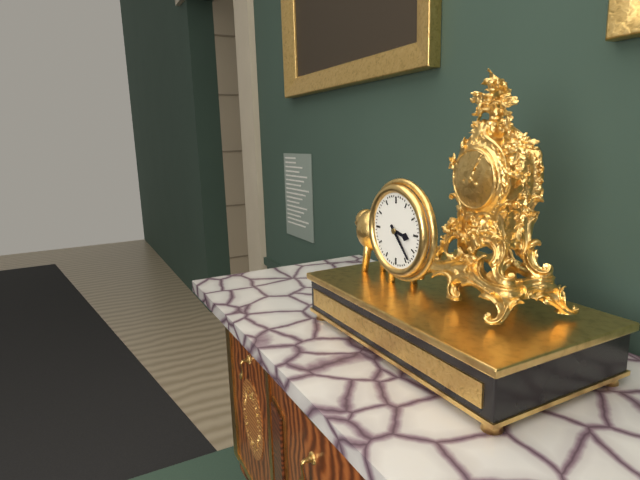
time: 3:23
